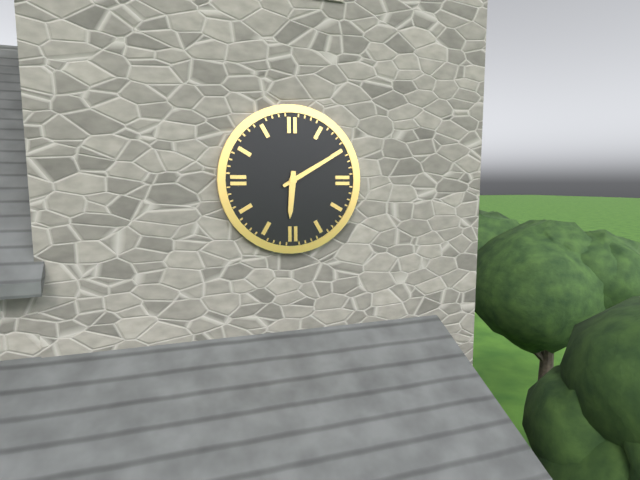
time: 6:10
